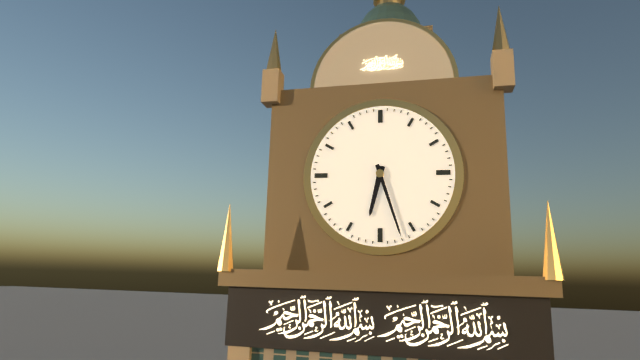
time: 6:27
